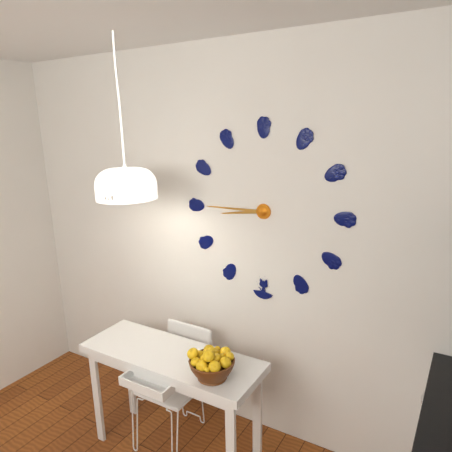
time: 8:45
